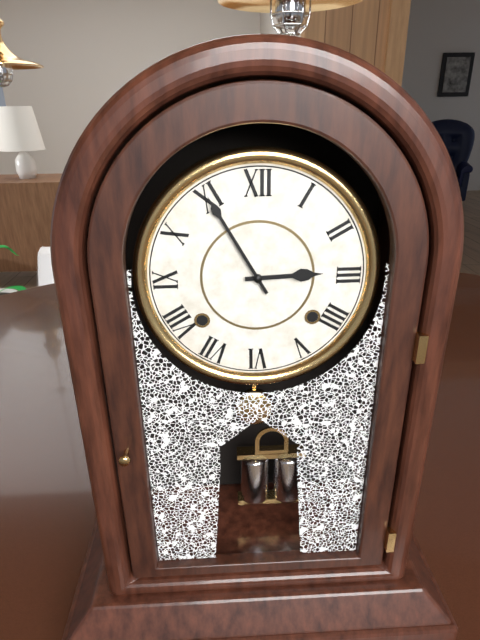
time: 2:55
